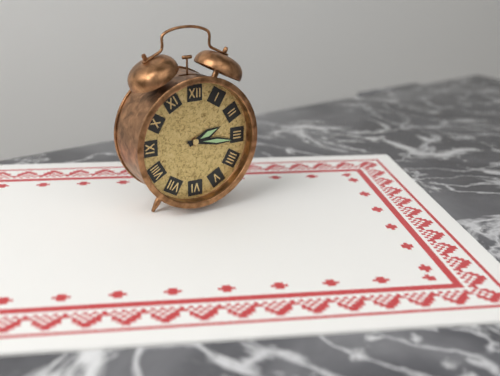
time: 2:16
